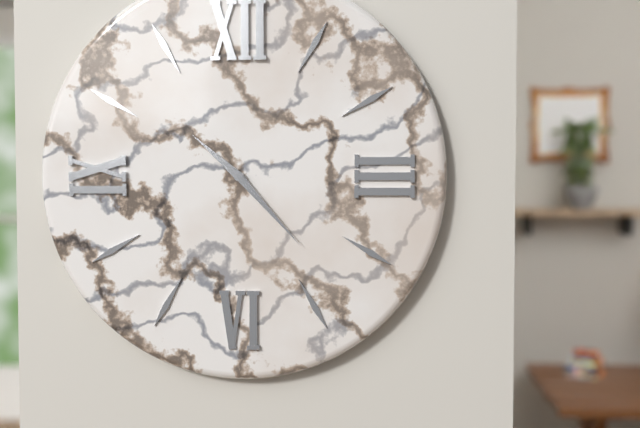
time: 10:23
